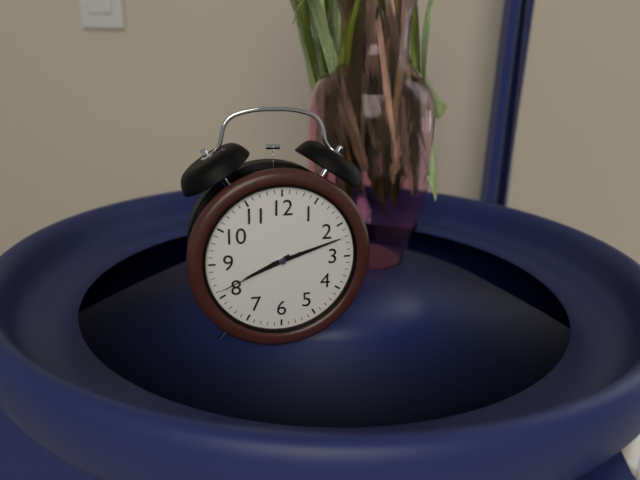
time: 8:12:41
